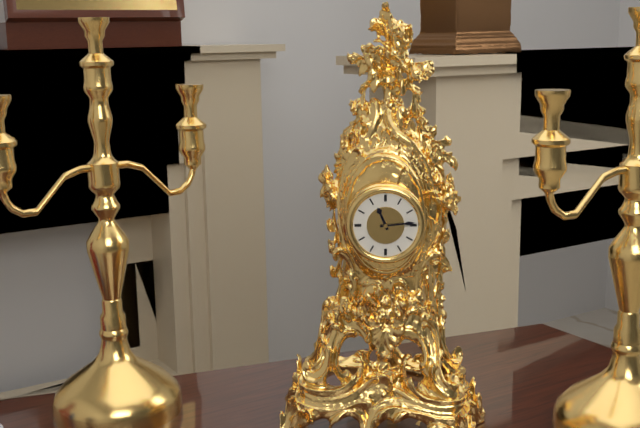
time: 11:14
